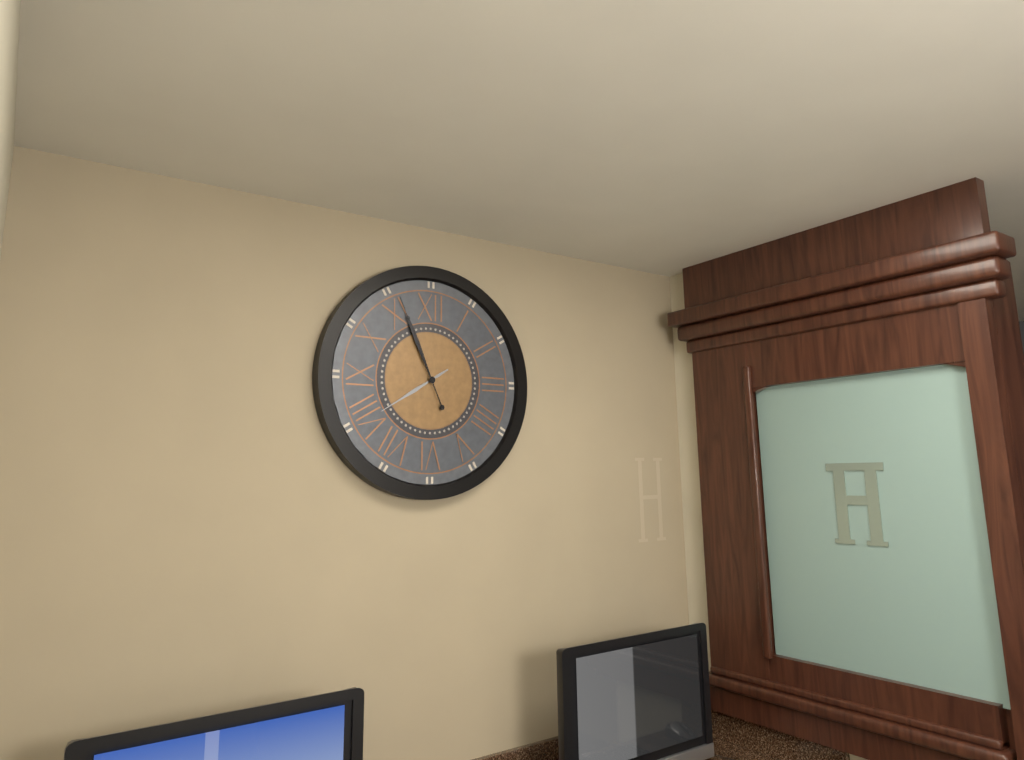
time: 7:56
